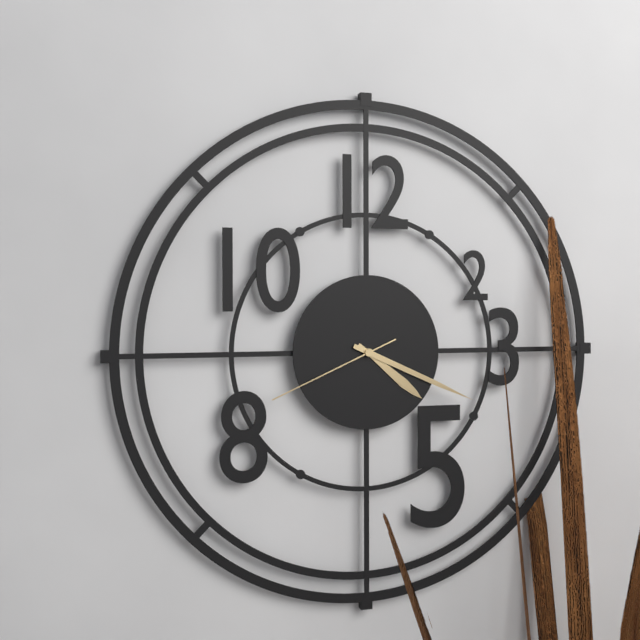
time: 4:19:41
